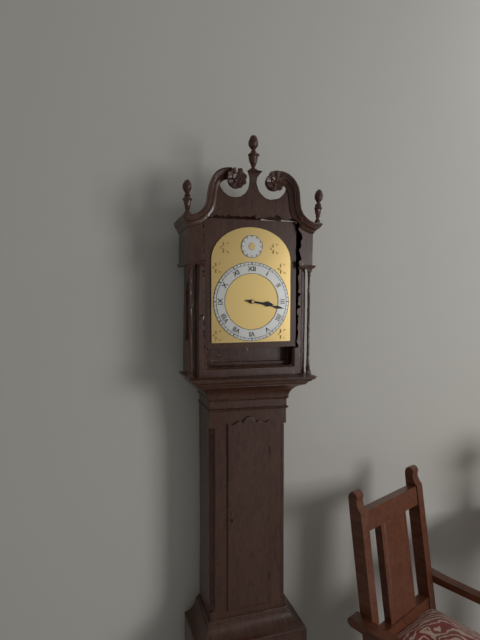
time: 3:17
